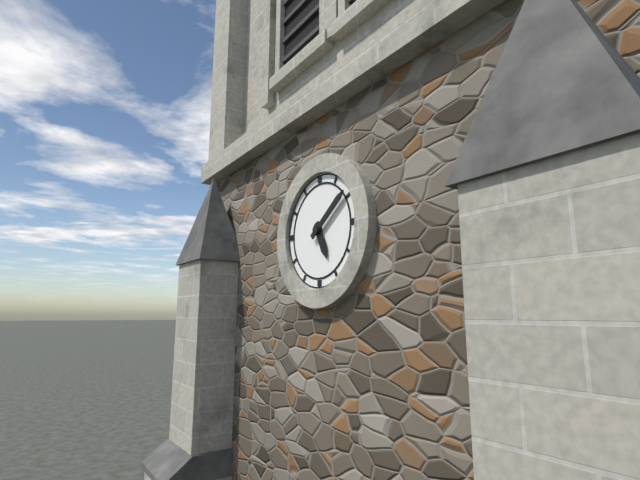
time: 5:09
